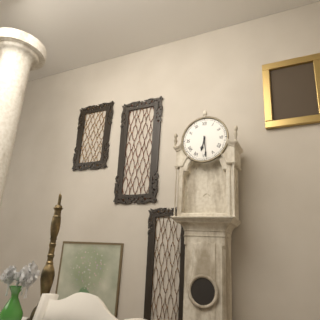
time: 6:29
